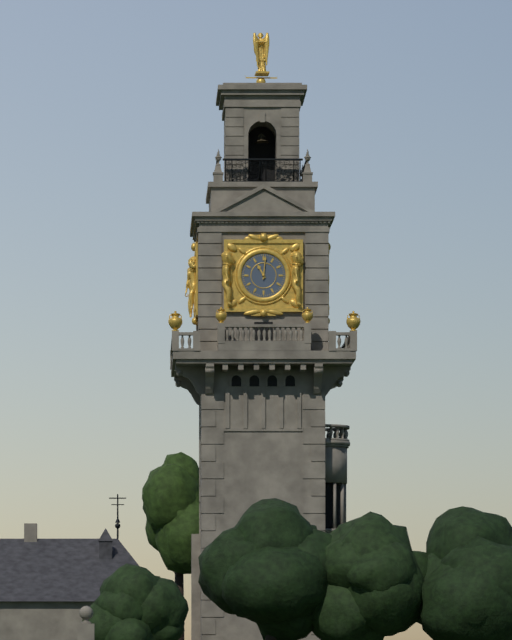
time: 11:01
